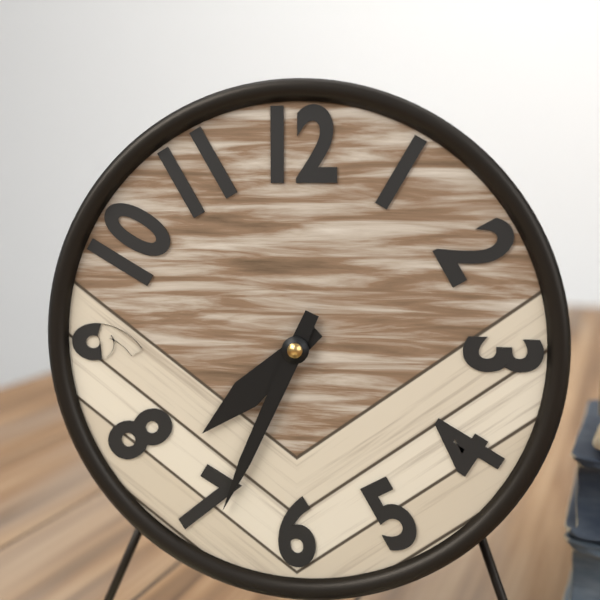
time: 7:34
